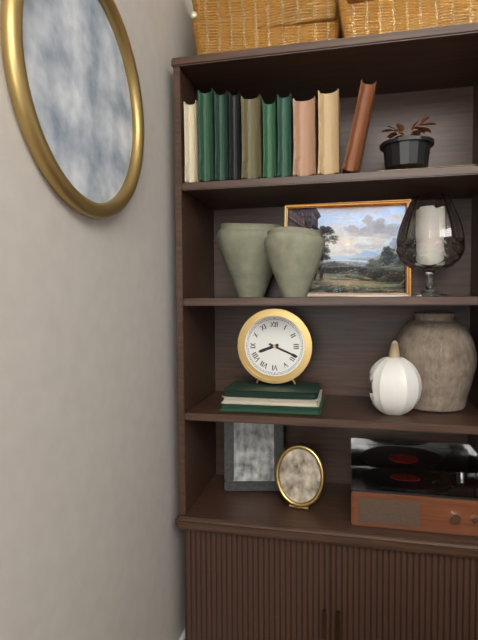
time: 8:19
